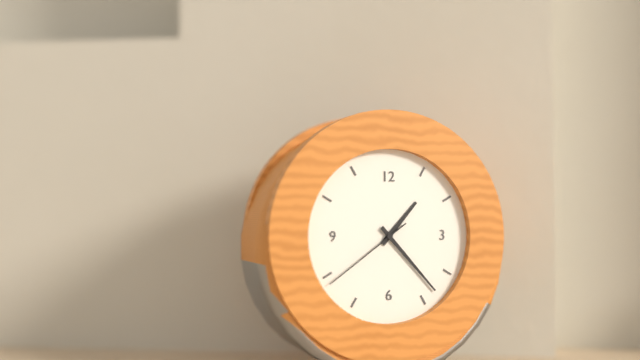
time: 1:23:39
